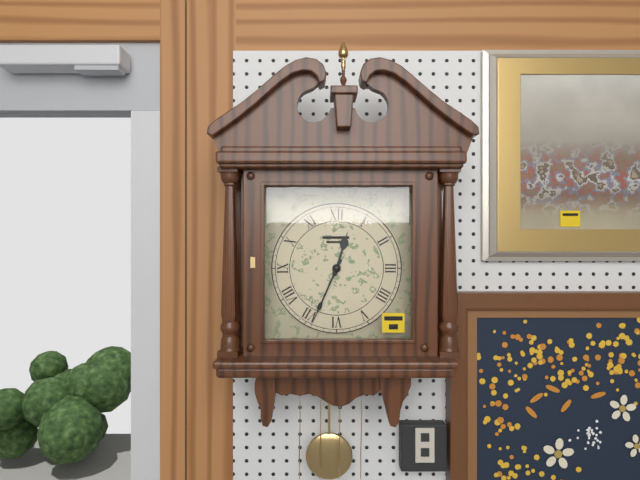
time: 12:34
